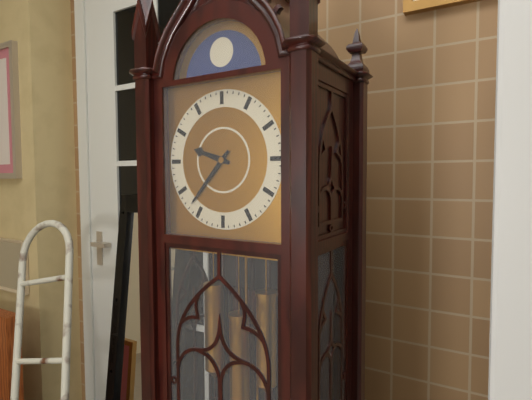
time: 9:37
